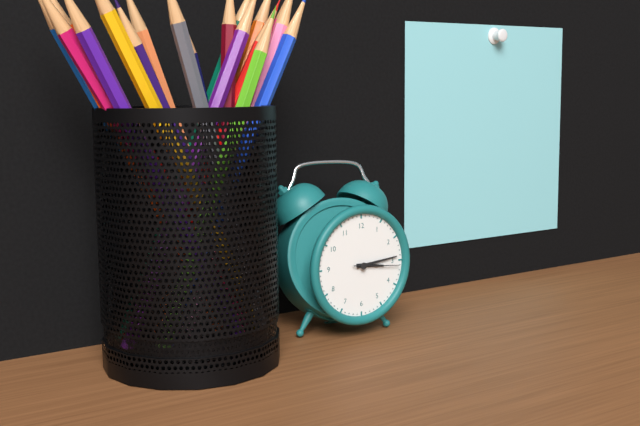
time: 3:14
